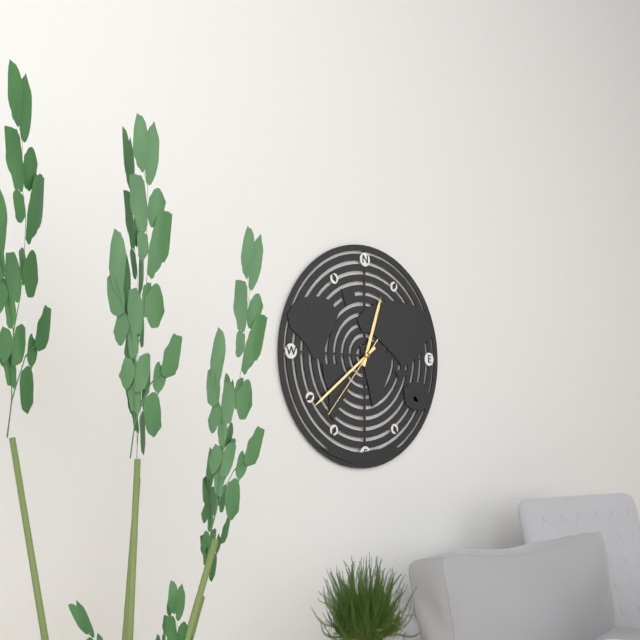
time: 12:39:37
